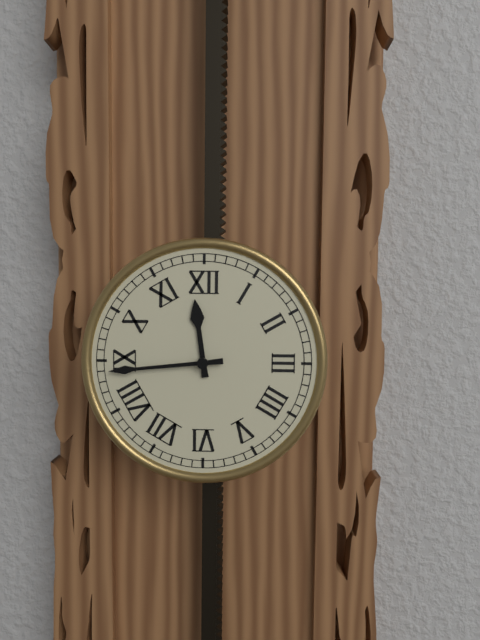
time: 11:44
